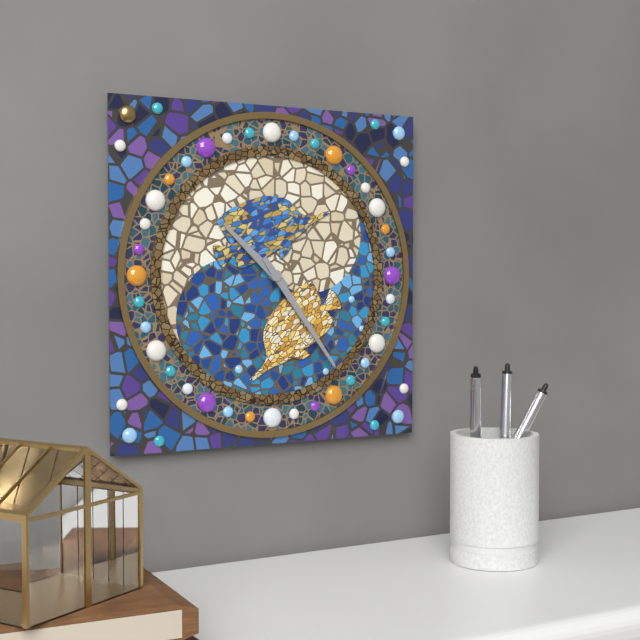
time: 10:24
